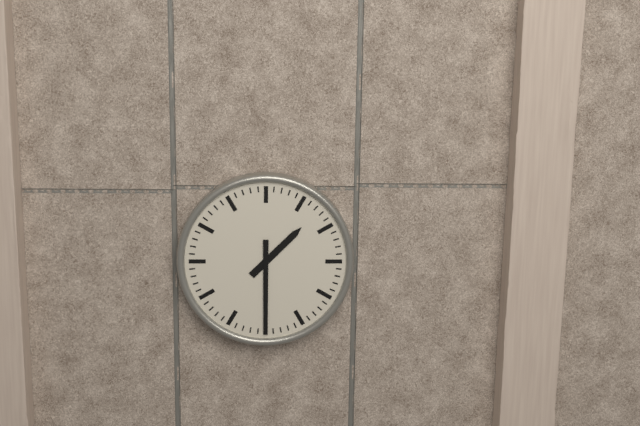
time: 1:30
